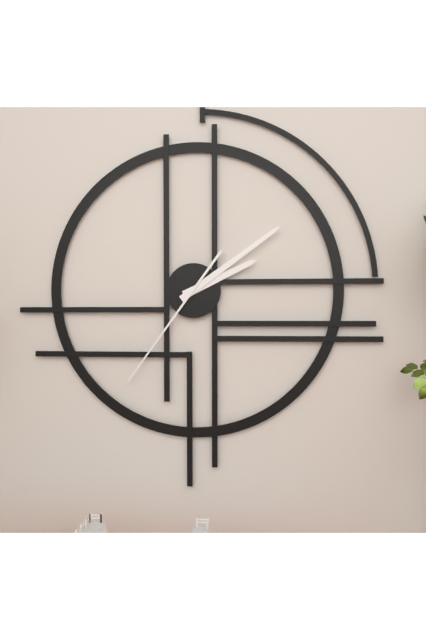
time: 2:09:36
